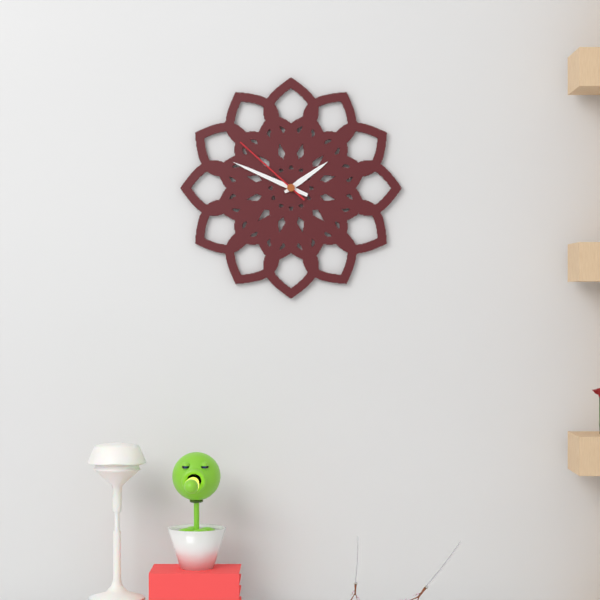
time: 1:49:52
